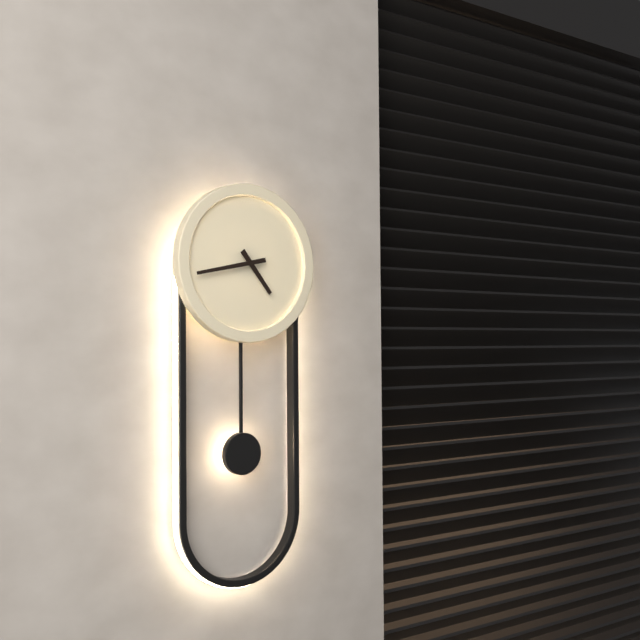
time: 4:43
